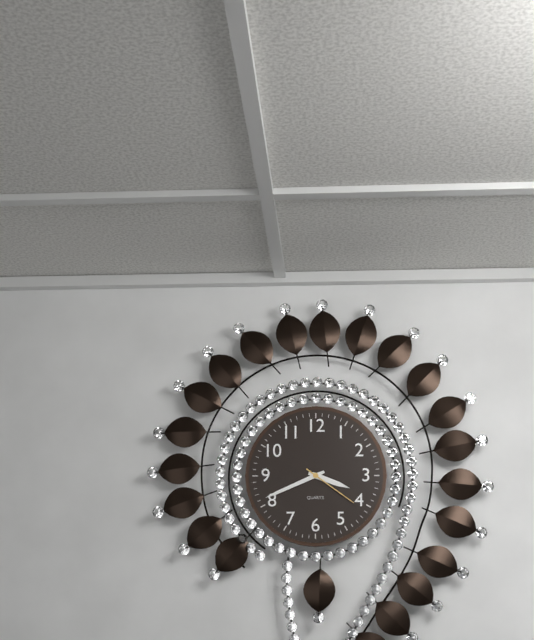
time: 3:41:21
